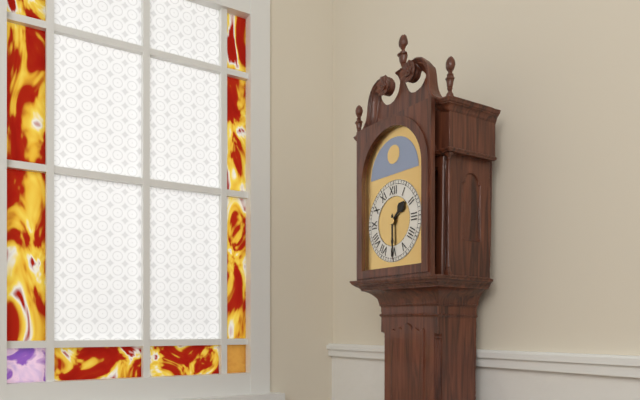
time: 1:30
